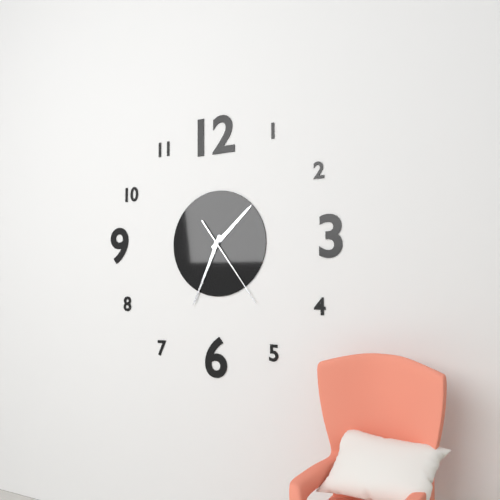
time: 1:34:24
